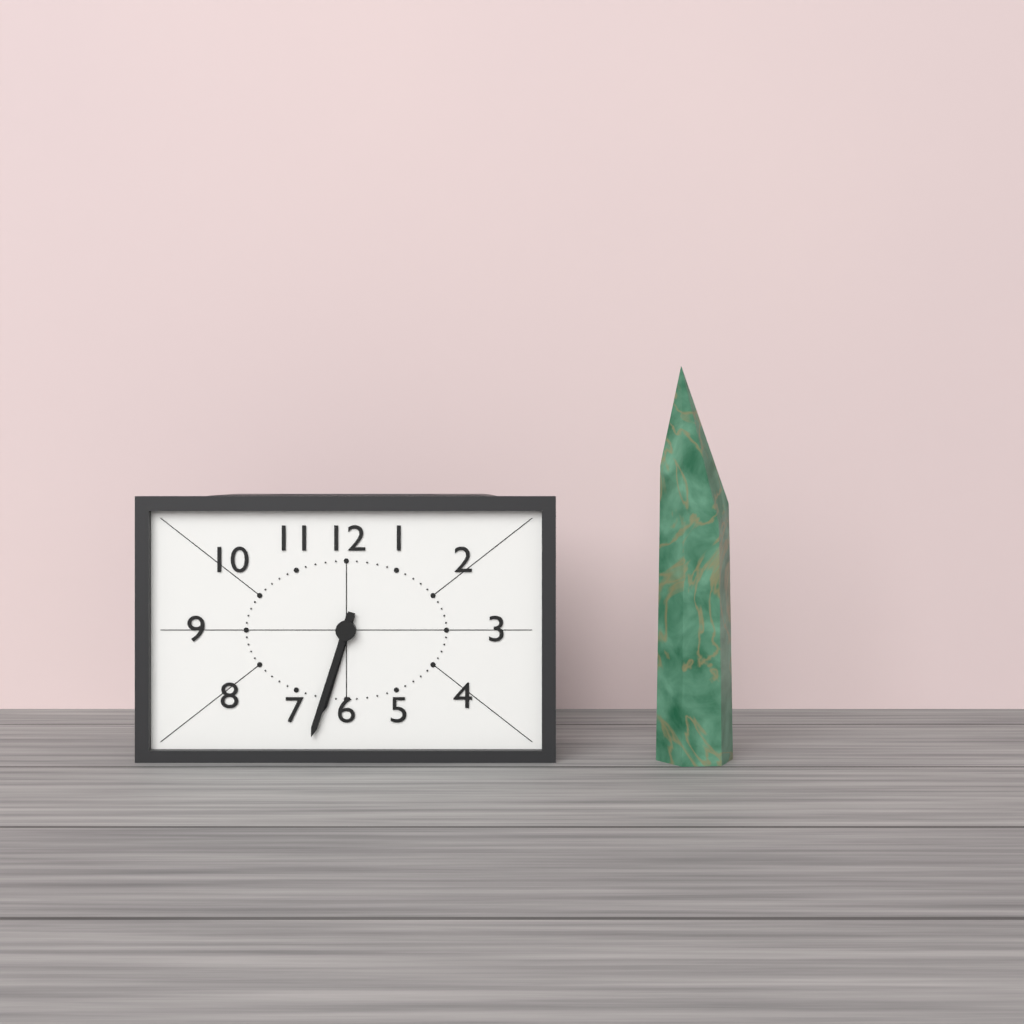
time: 6:33
